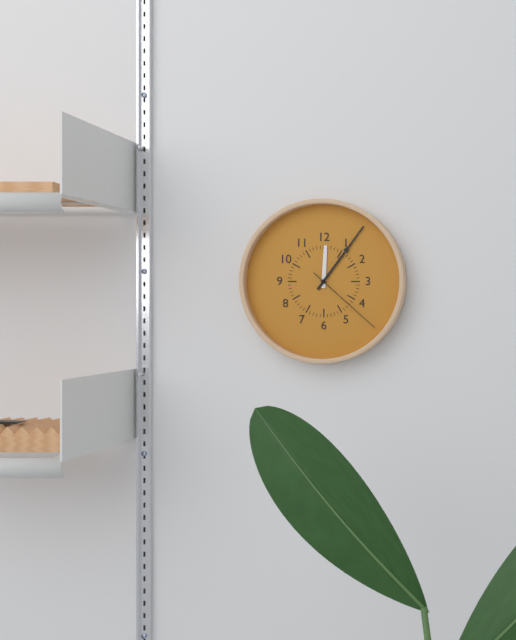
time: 12:06:22
